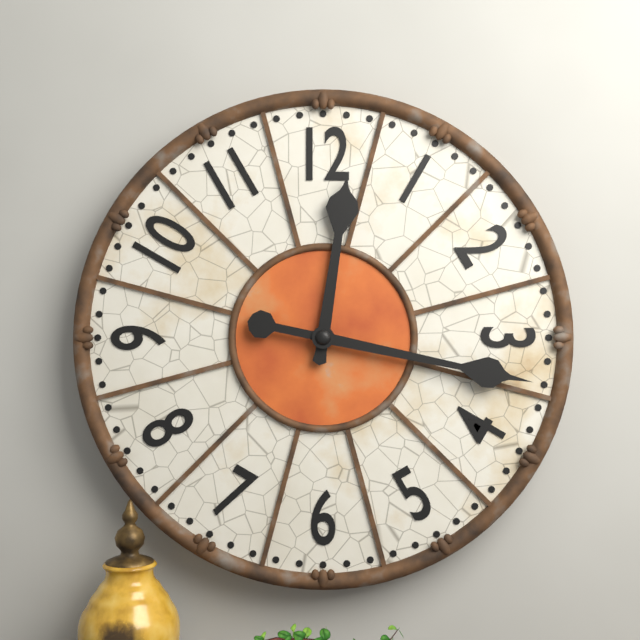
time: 12:17
